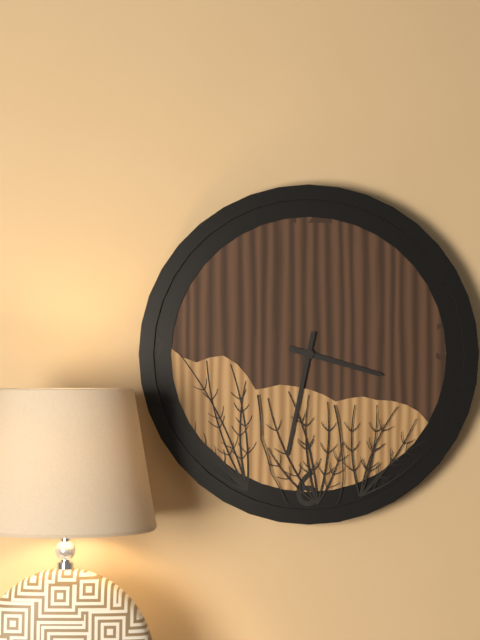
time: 3:32
